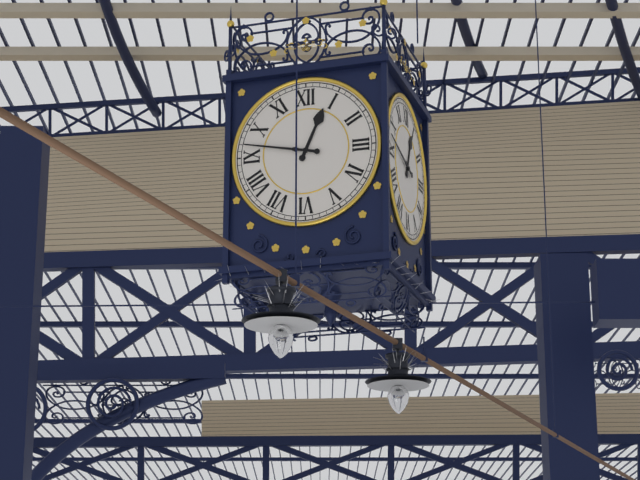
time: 12:47
